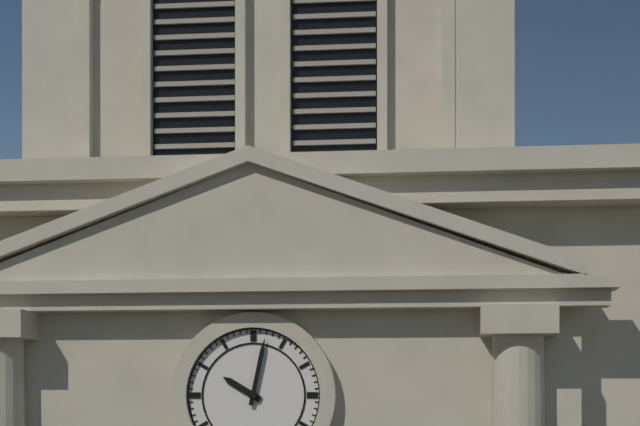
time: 10:02
